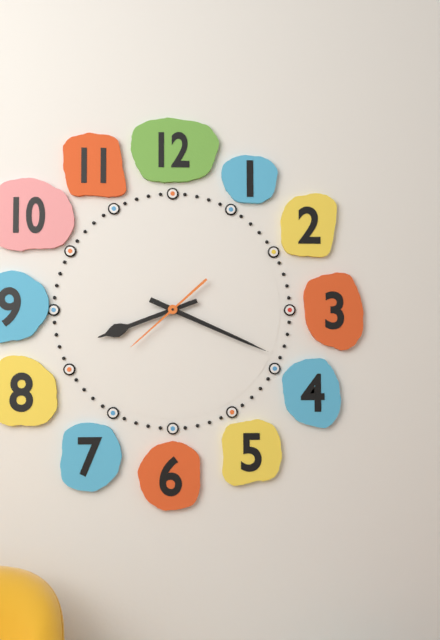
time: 8:19:38
